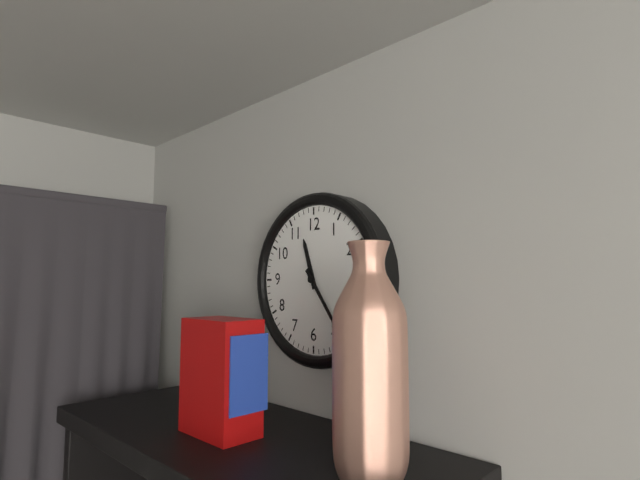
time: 11:24
